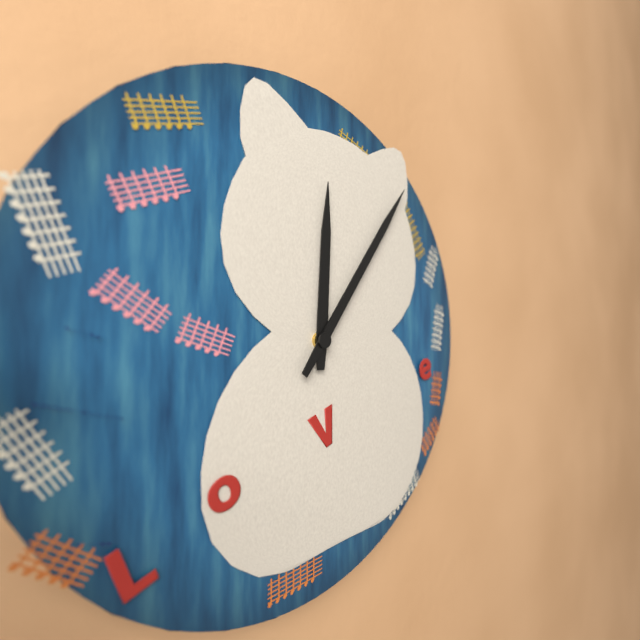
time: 12:06
